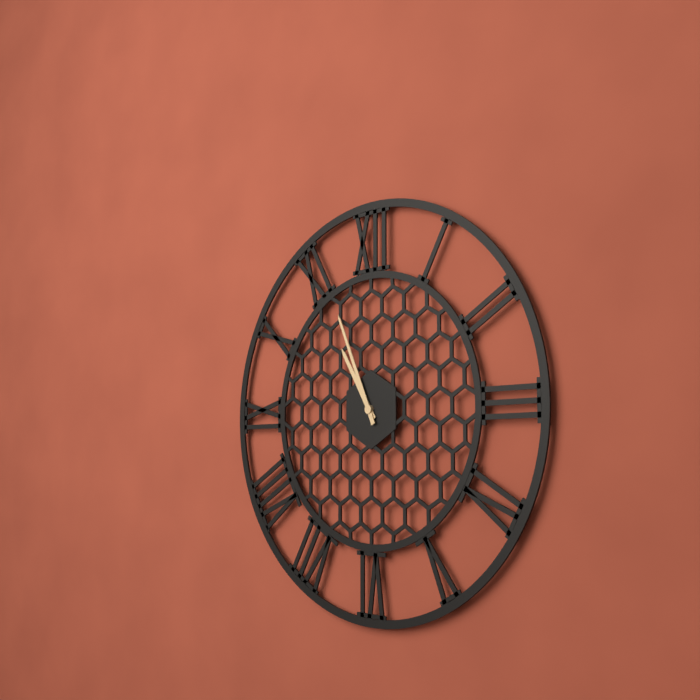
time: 10:56
